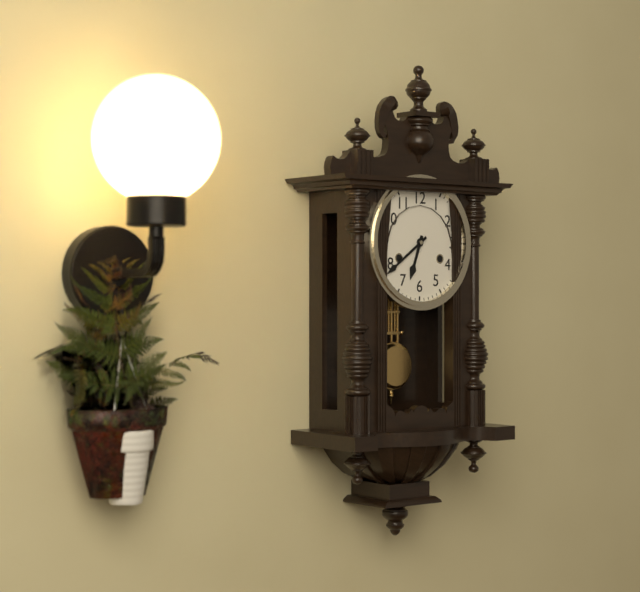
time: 6:39
